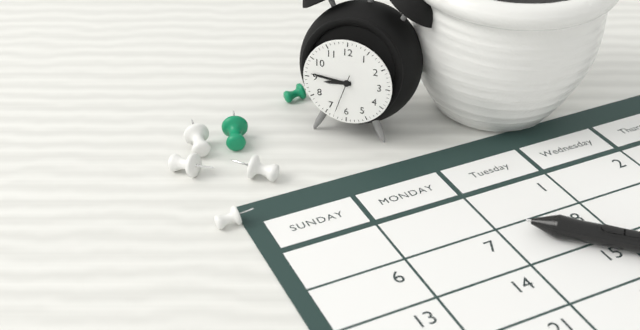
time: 8:46
